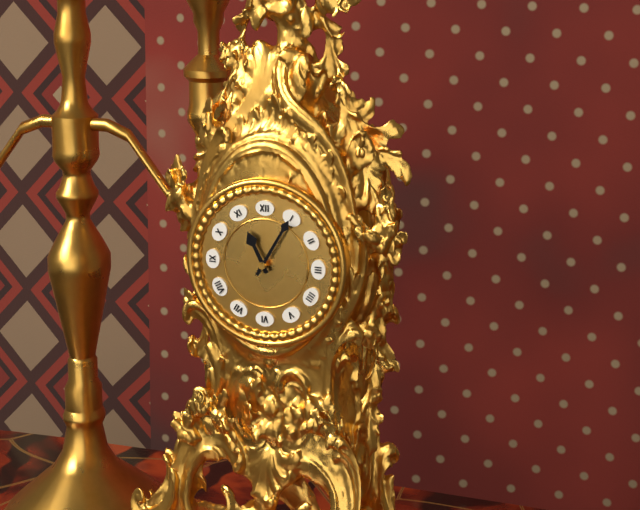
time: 11:05
